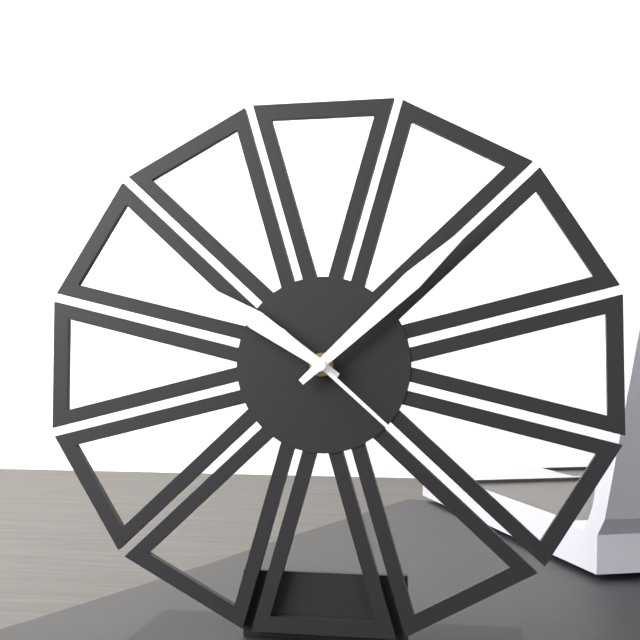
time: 10:08:22
